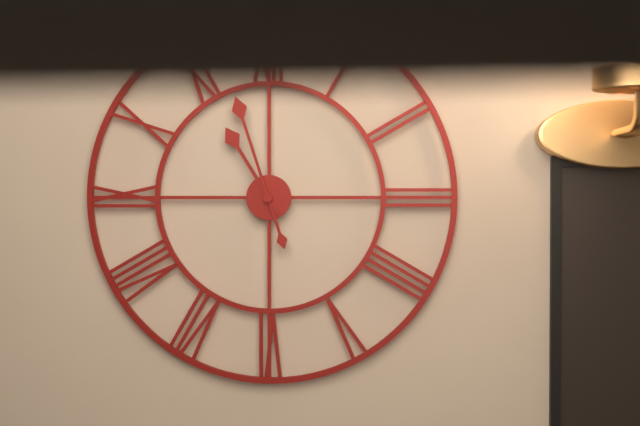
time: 10:57
